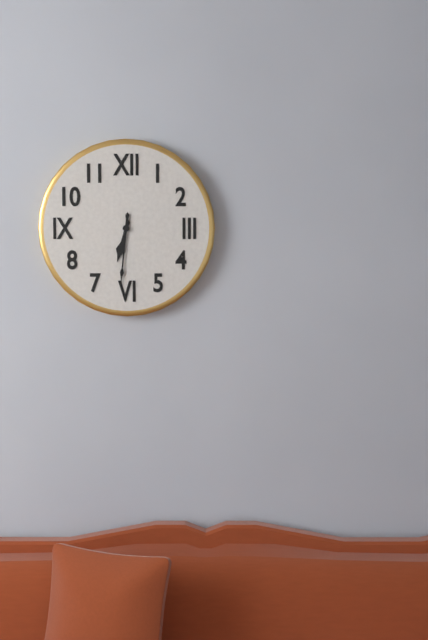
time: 6:31
